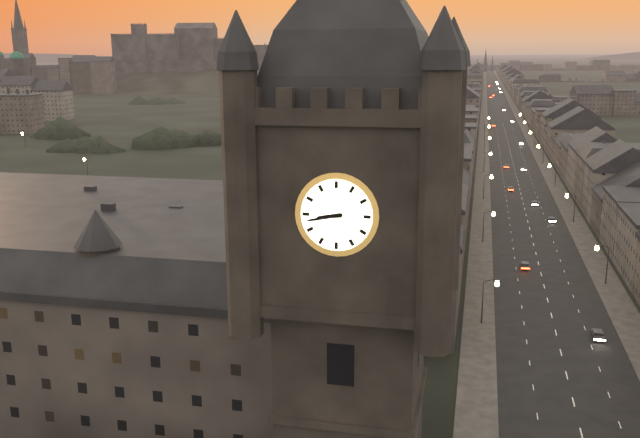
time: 8:43
